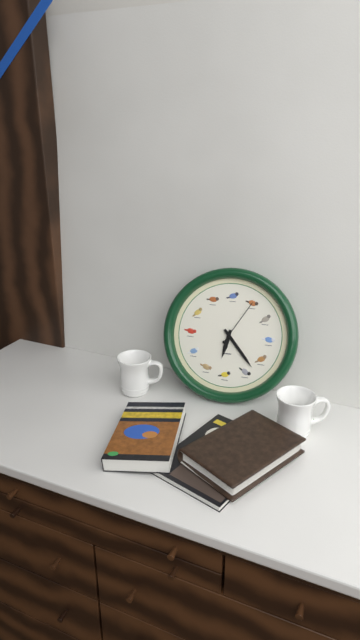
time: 6:23:05
